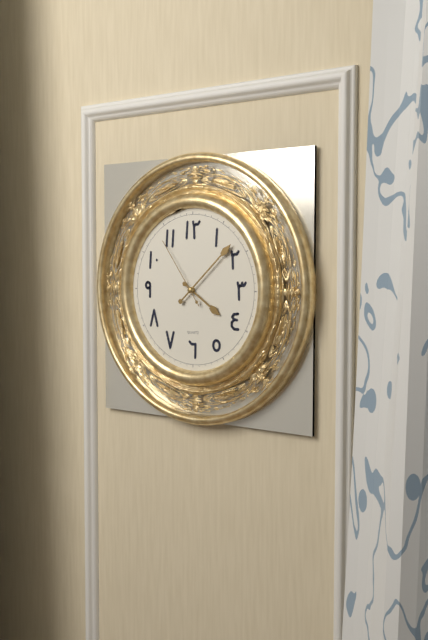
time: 4:08:54
